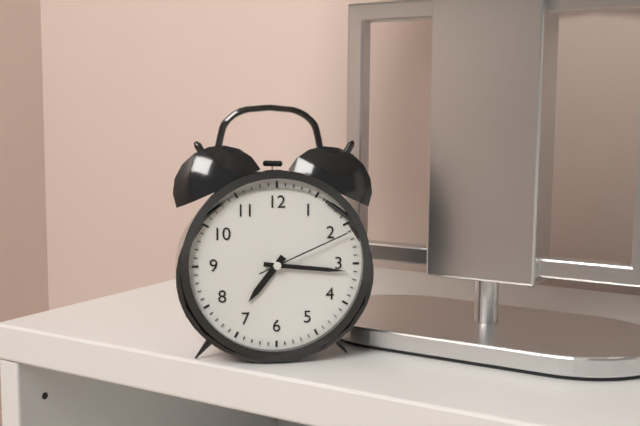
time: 7:16:11
